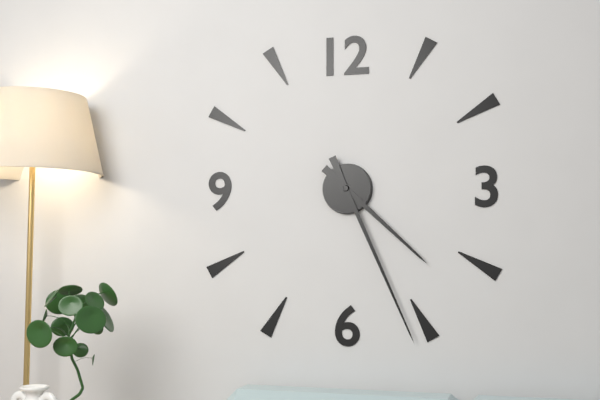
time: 4:26
